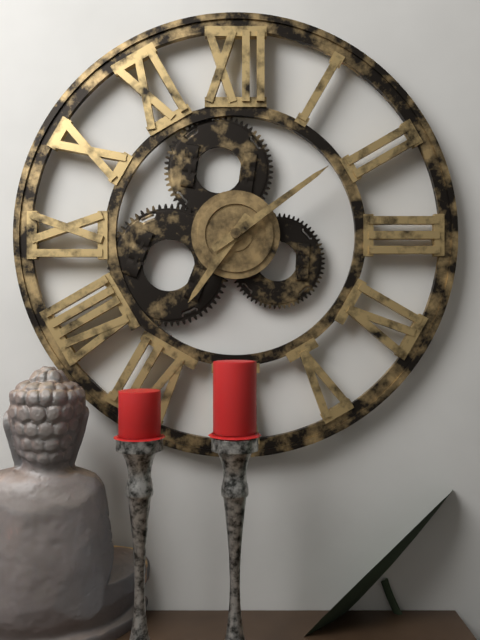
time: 7:09
